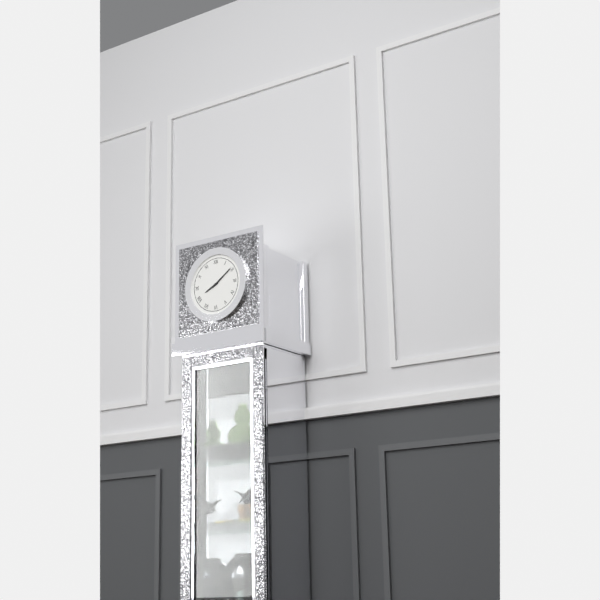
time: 8:09
